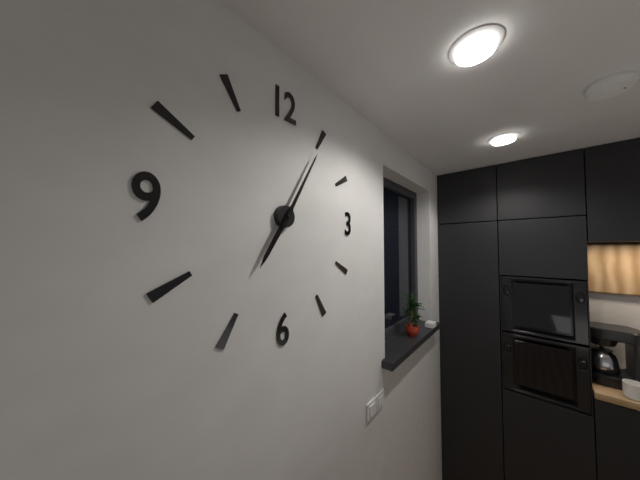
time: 7:05
